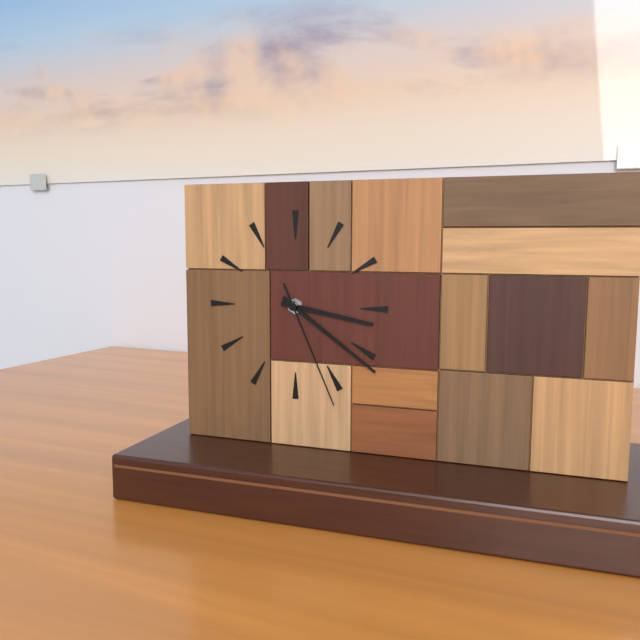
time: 3:21:26
